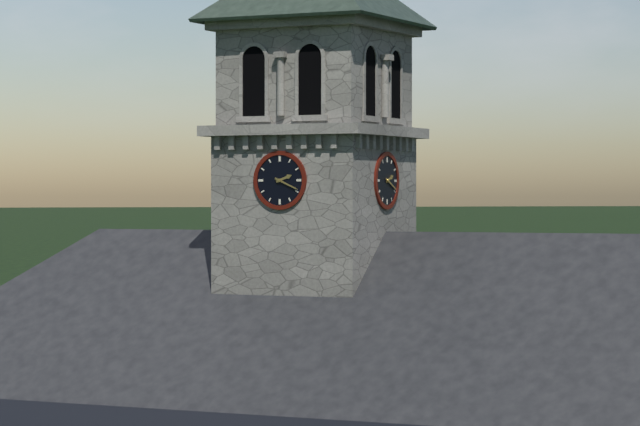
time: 2:19
